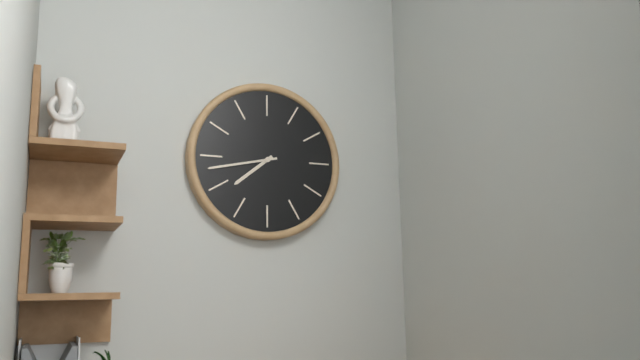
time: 7:43
